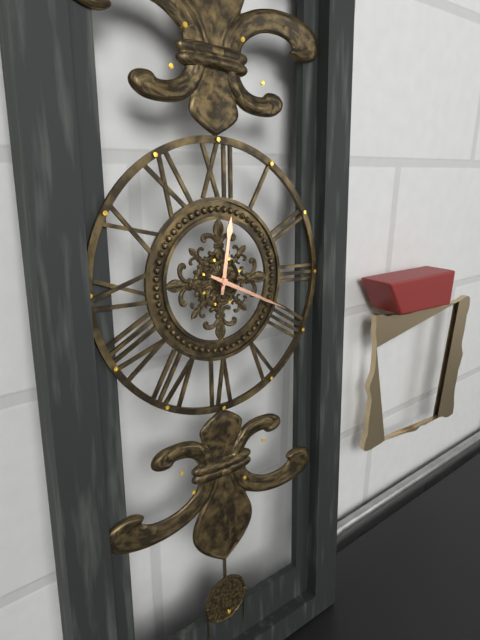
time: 12:19
